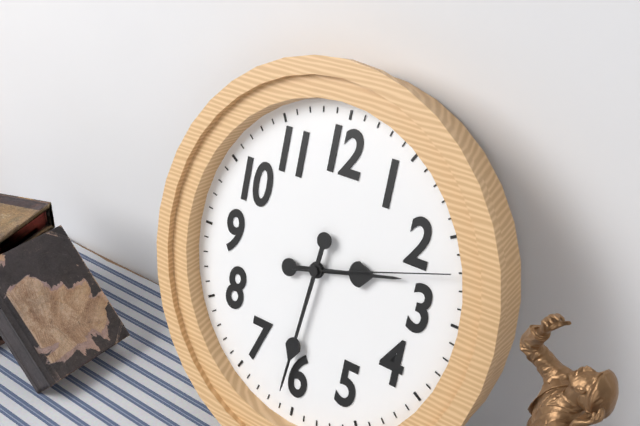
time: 2:31:12
